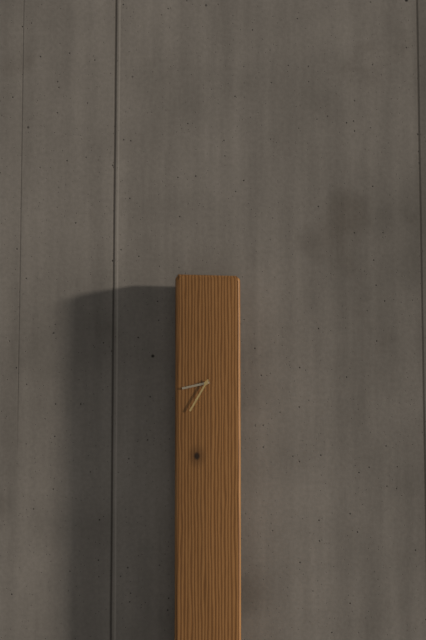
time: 8:35
